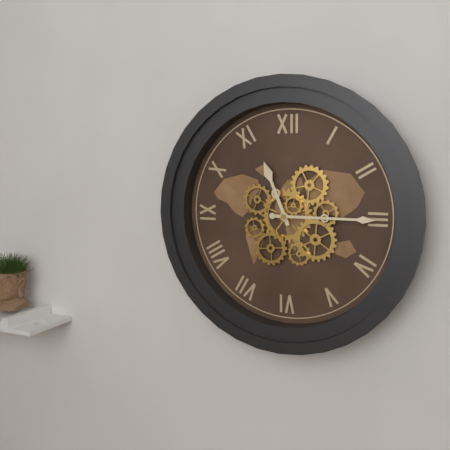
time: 11:15
